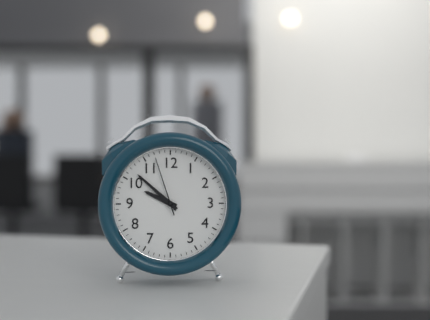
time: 9:52:57
